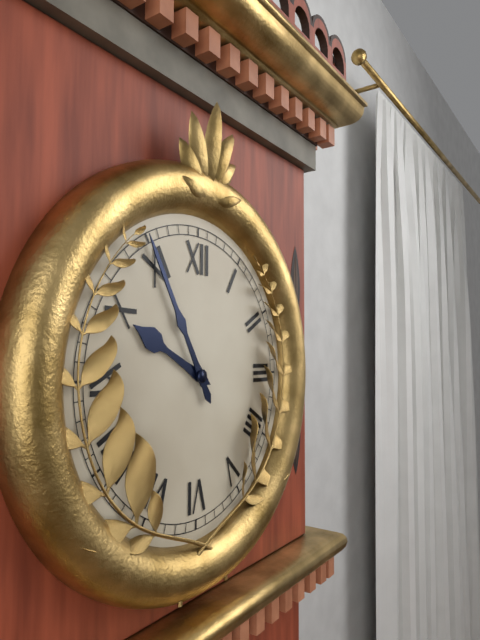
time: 9:55
